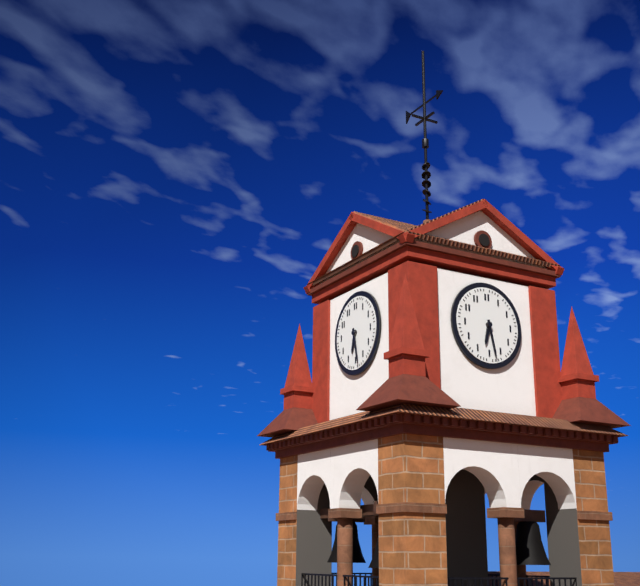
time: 6:28
